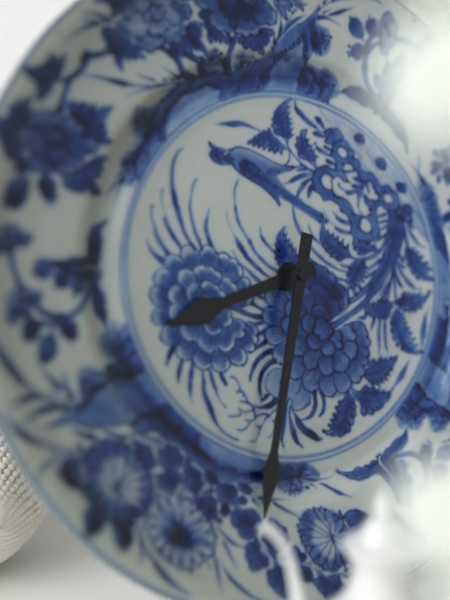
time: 8:33
